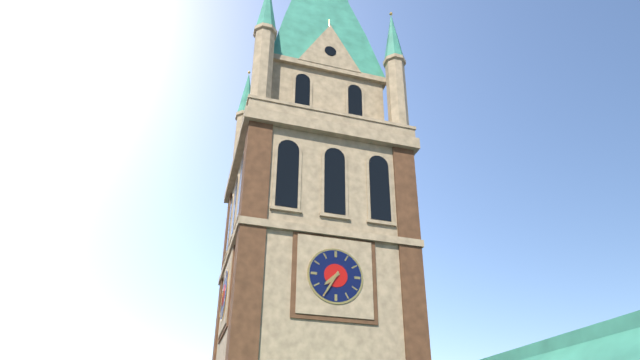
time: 7:35
